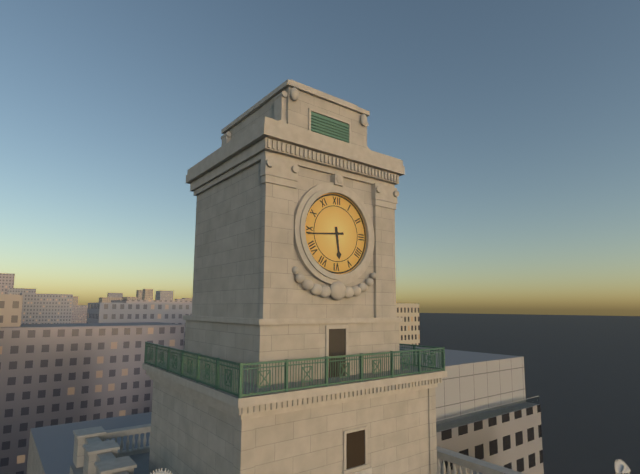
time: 5:44
